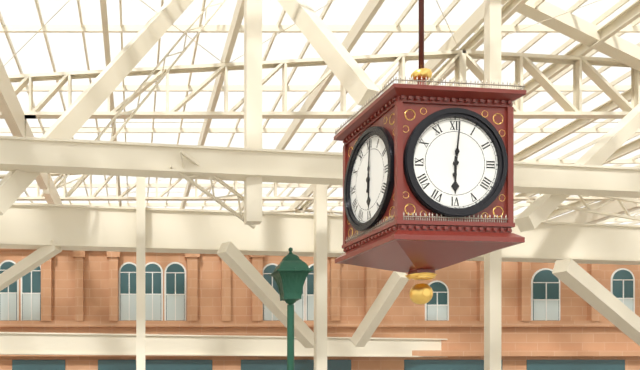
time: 6:01
